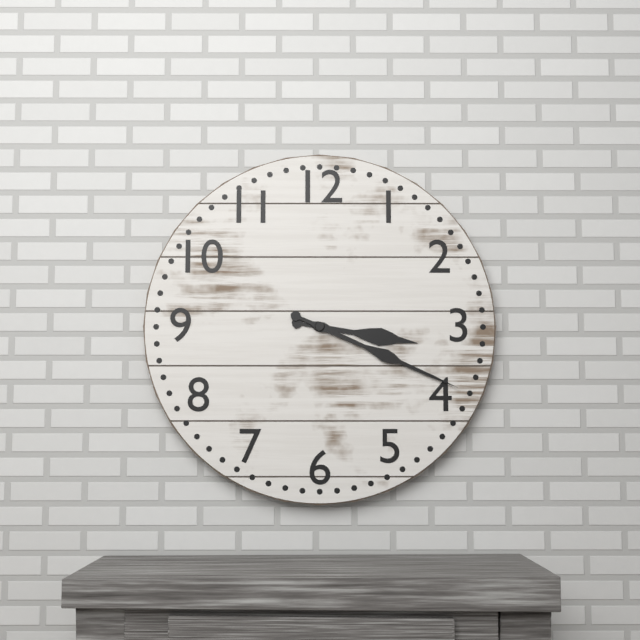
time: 3:19
